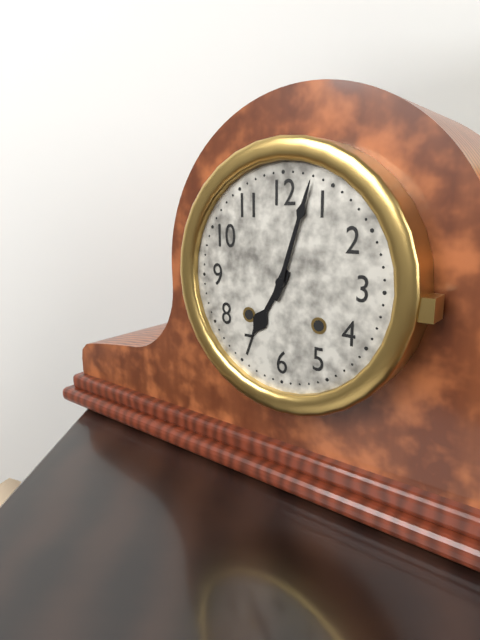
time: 7:03
